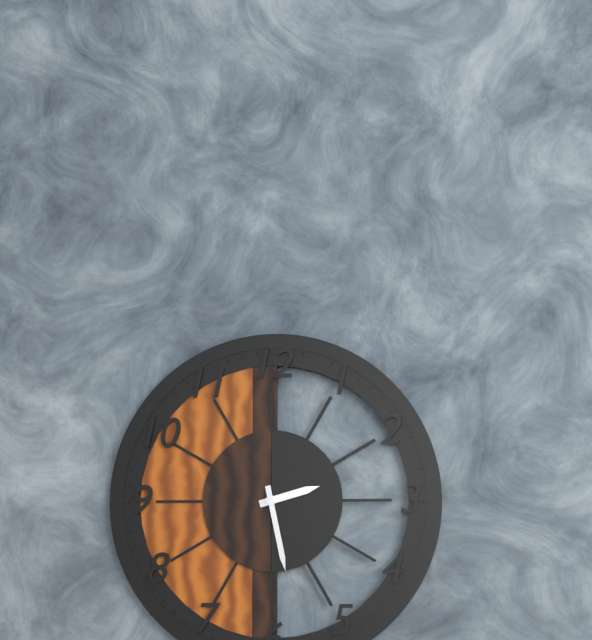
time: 2:28
